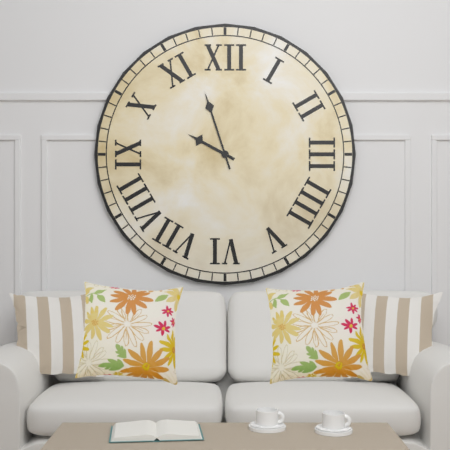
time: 9:57
